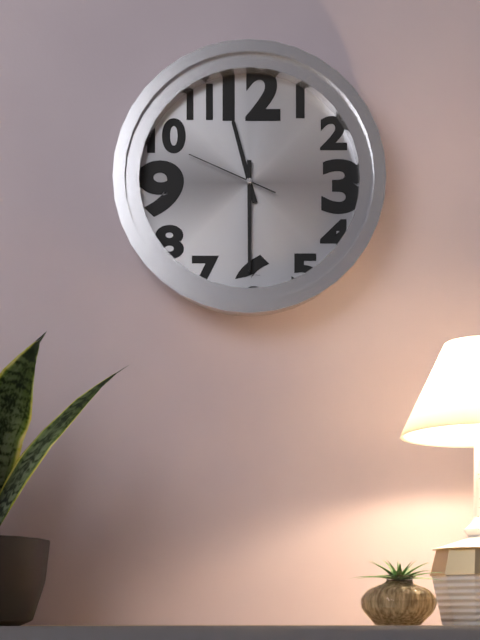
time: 11:30:49
